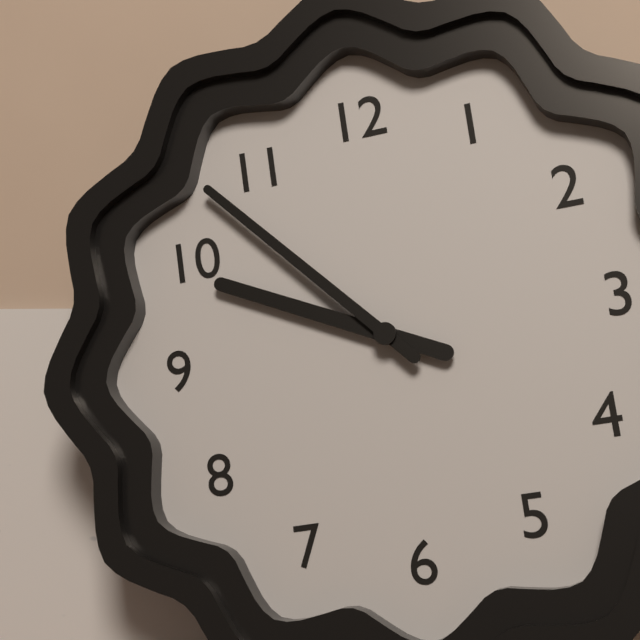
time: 9:53
